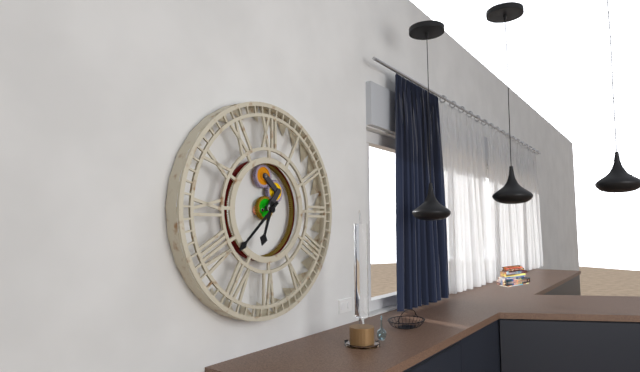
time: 6:38
